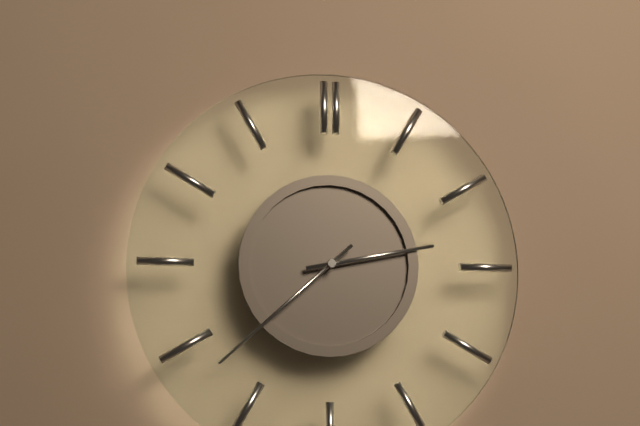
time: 2:38
